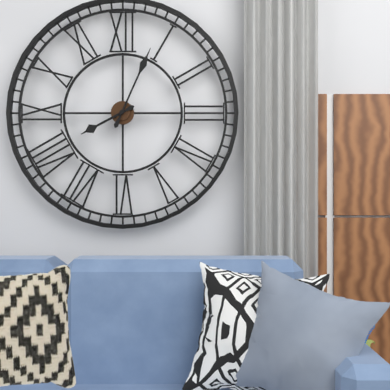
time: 8:04
